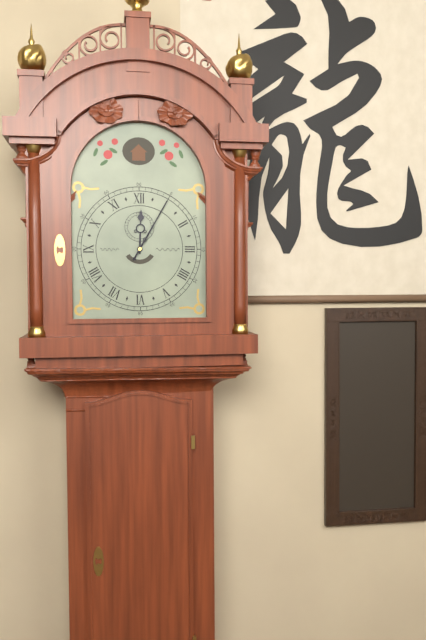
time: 12:05
